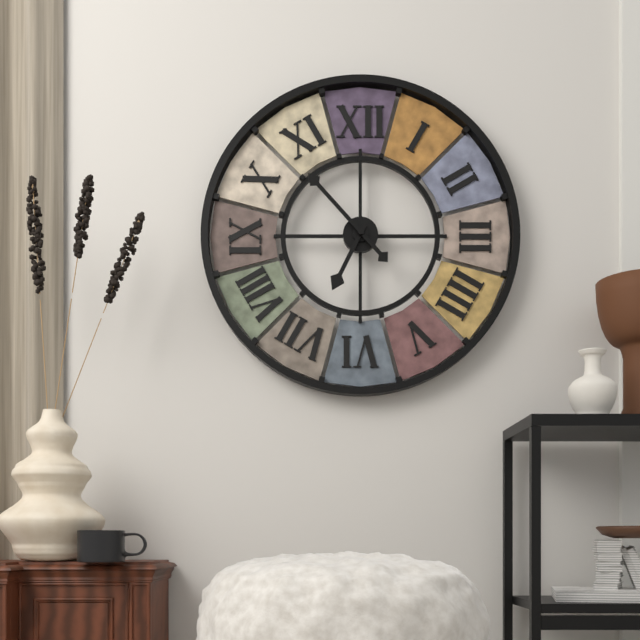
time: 6:53
